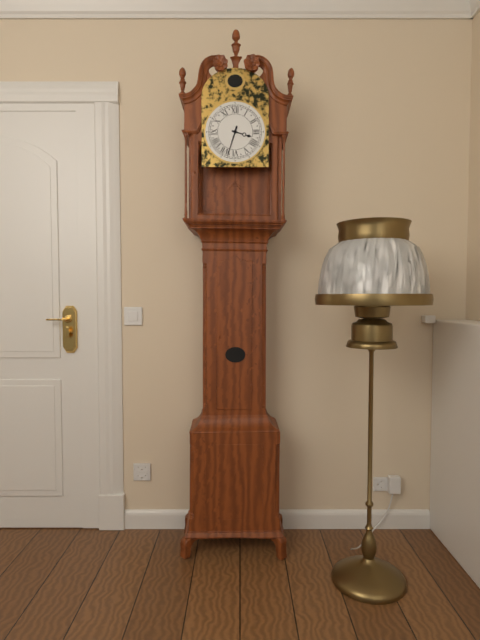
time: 3:33
